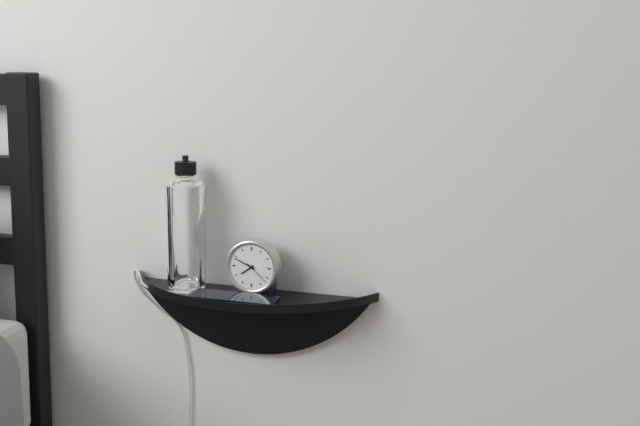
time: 7:49
